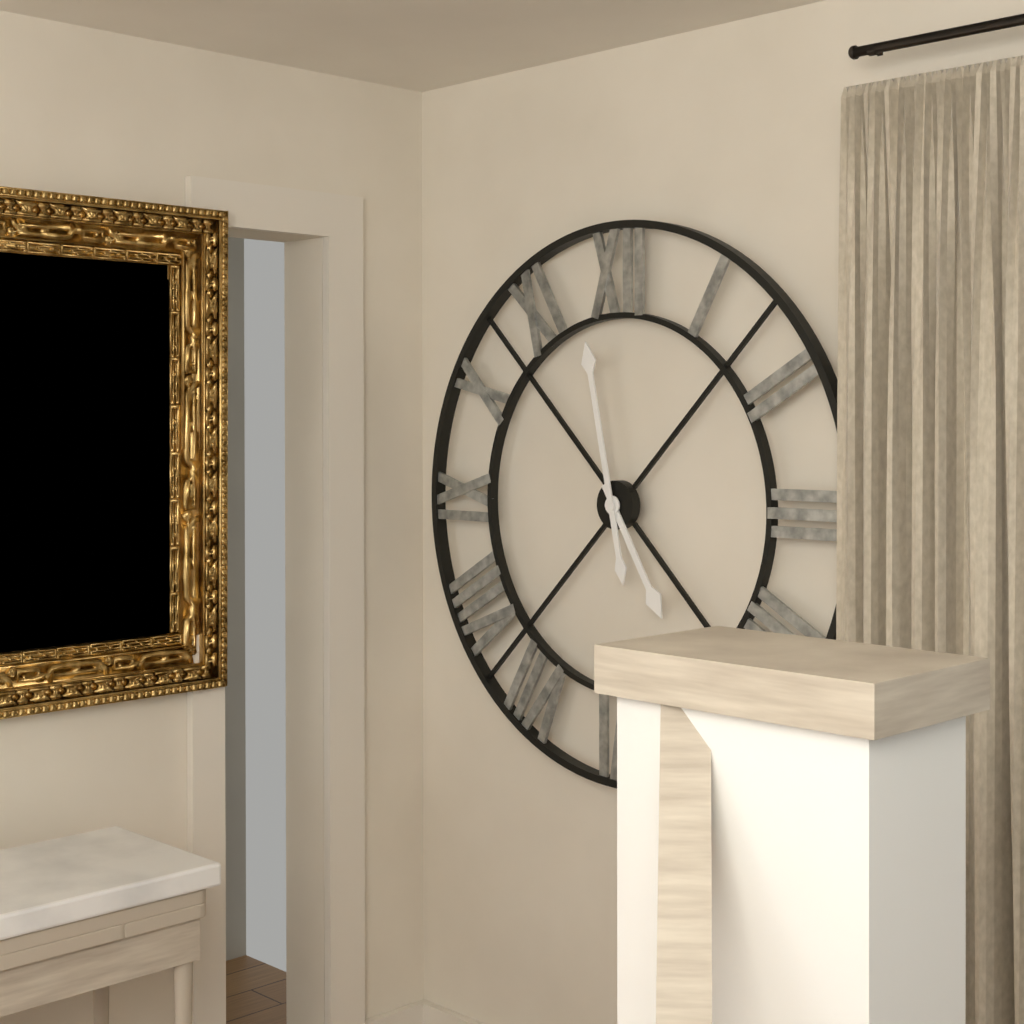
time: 4:58
